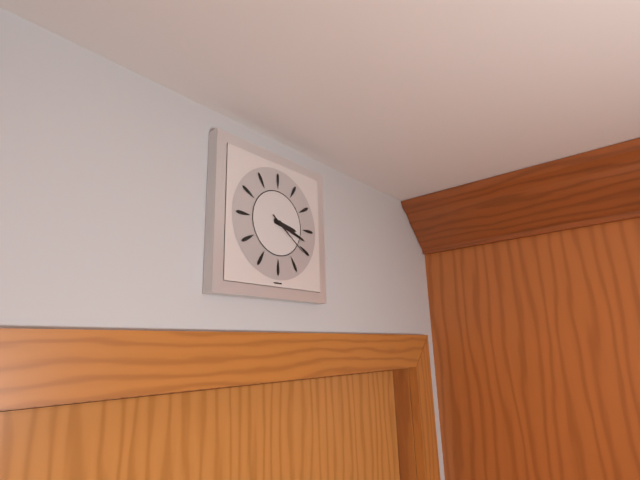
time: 3:18
